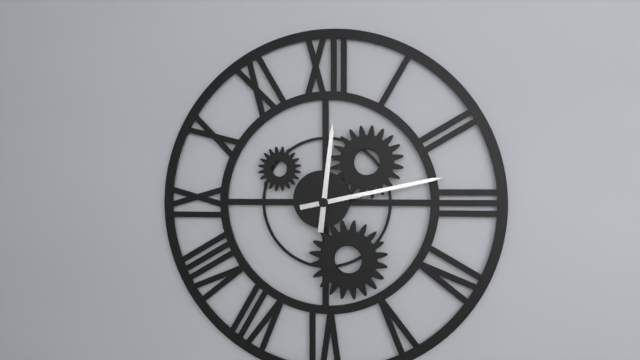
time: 12:13
